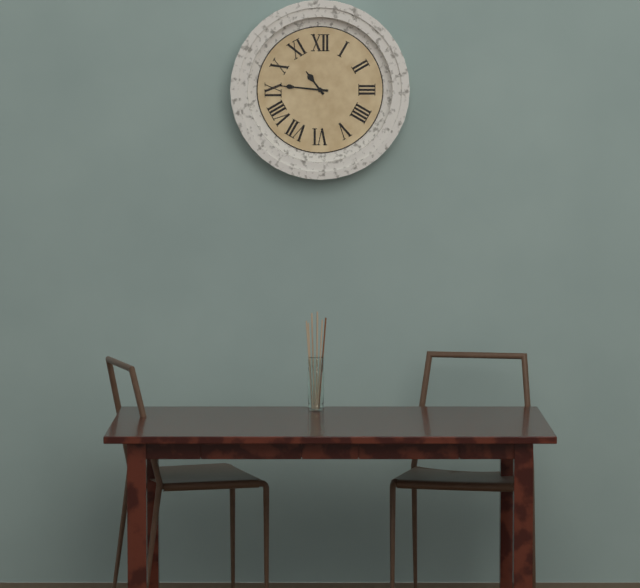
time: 10:46
